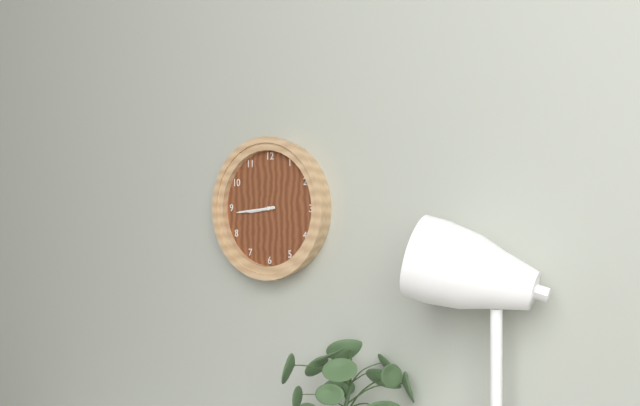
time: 8:44
